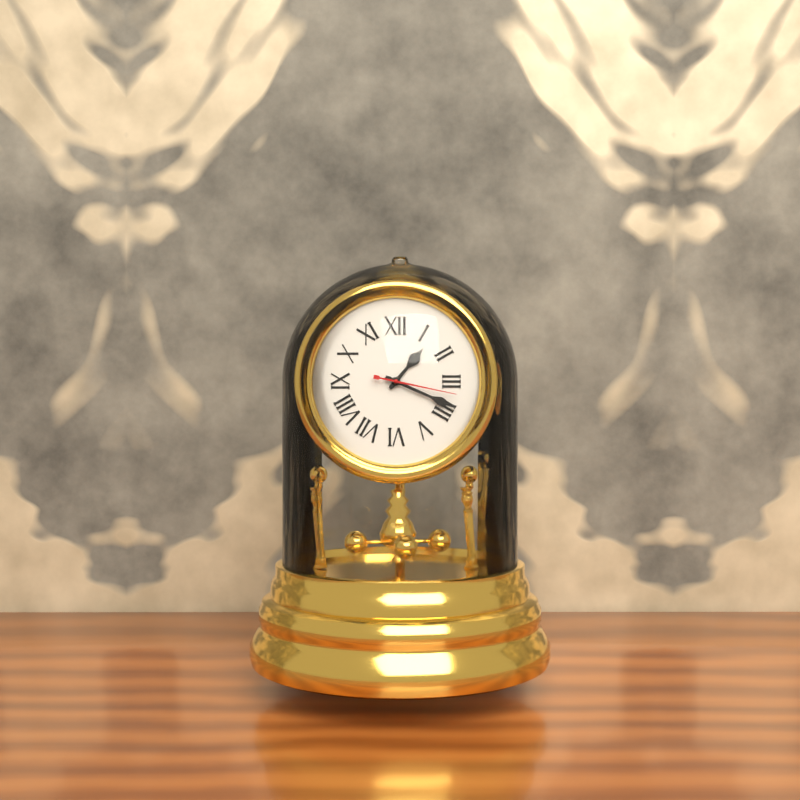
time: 1:19:17
